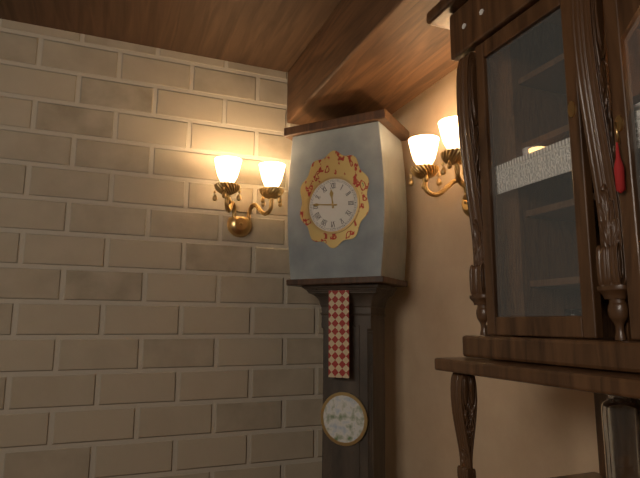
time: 11:46
